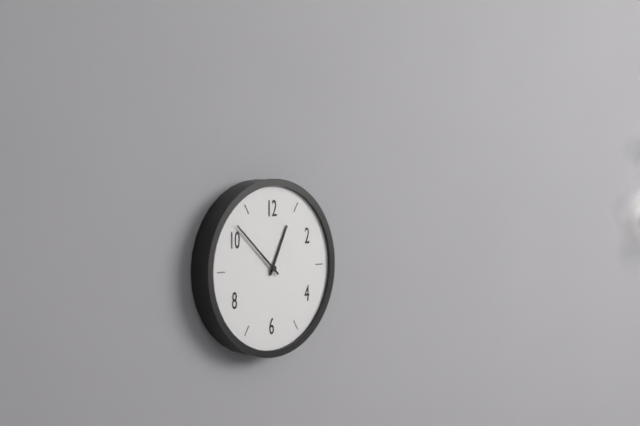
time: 12:52
